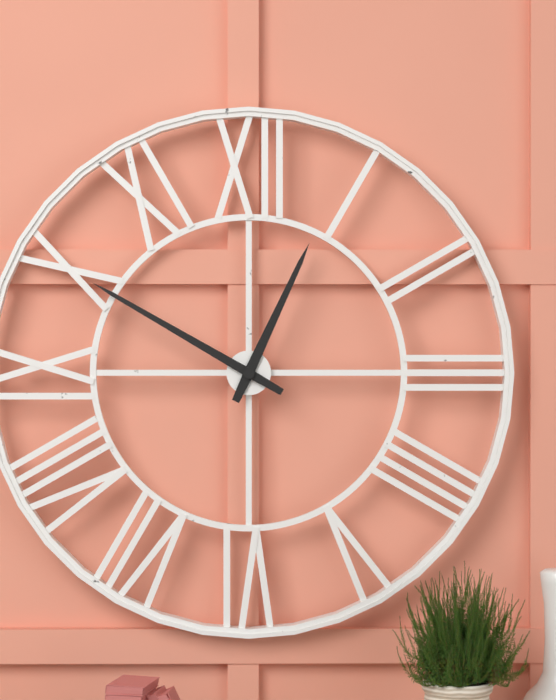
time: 12:50
